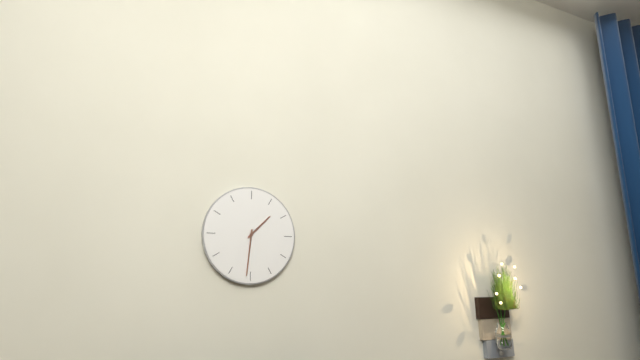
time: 1:31
